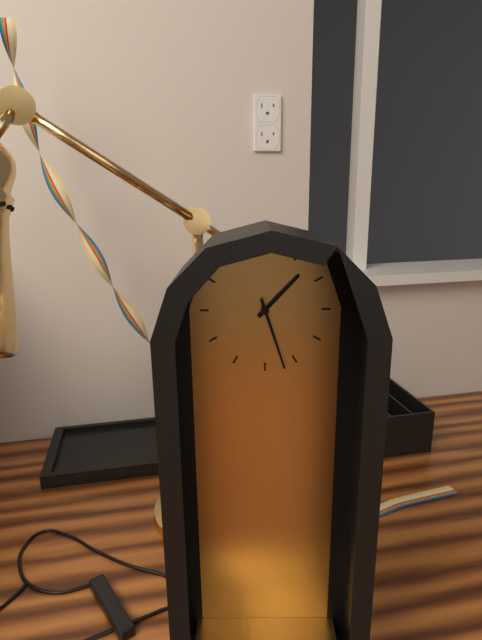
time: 1:27
